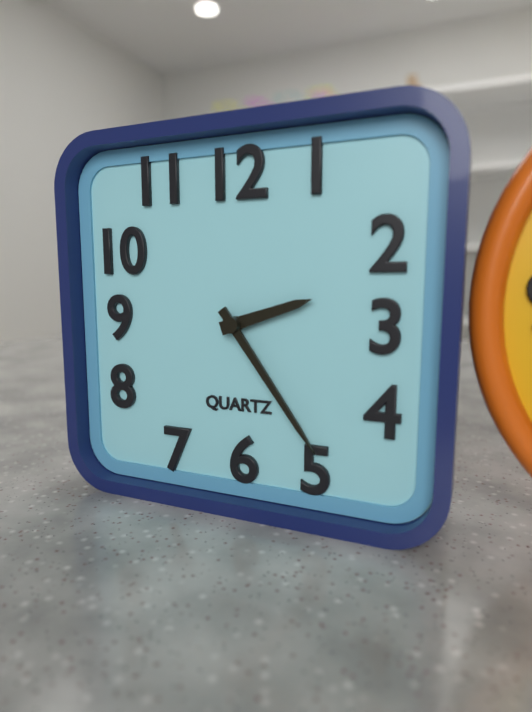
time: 2:24
